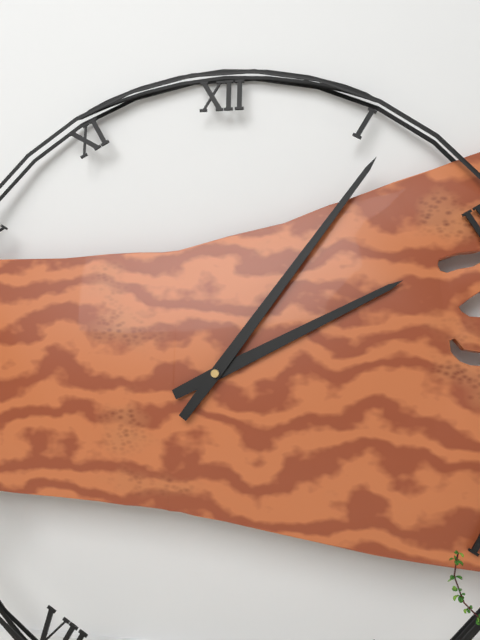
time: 2:06
